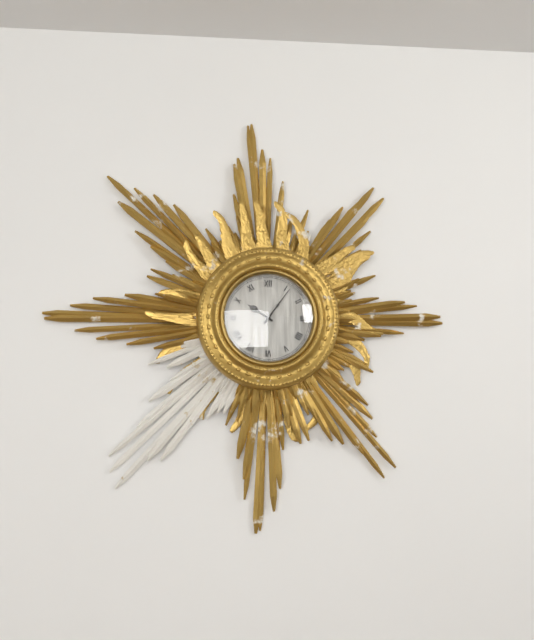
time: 10:06
